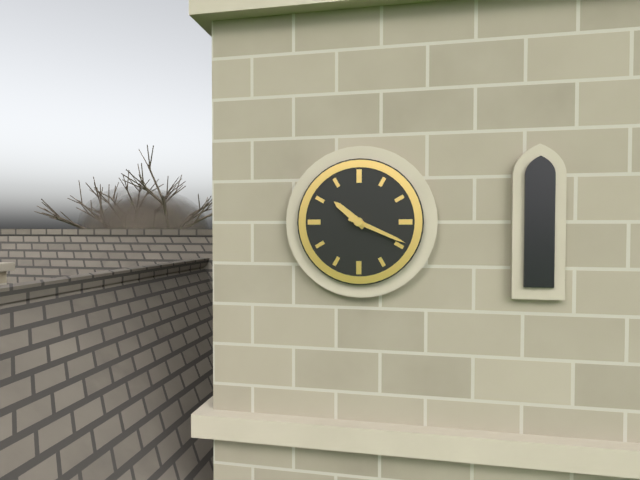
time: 10:19
